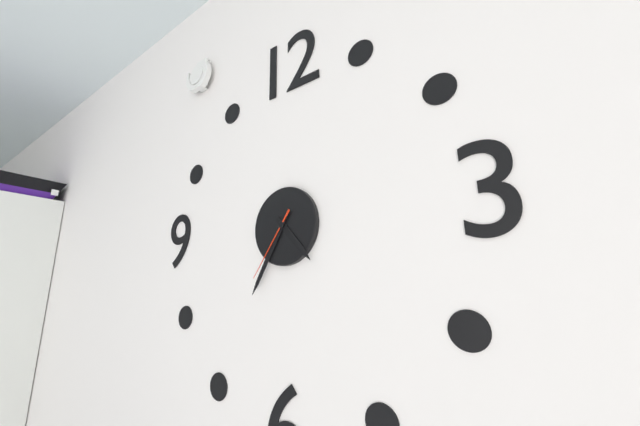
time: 4:35:36
